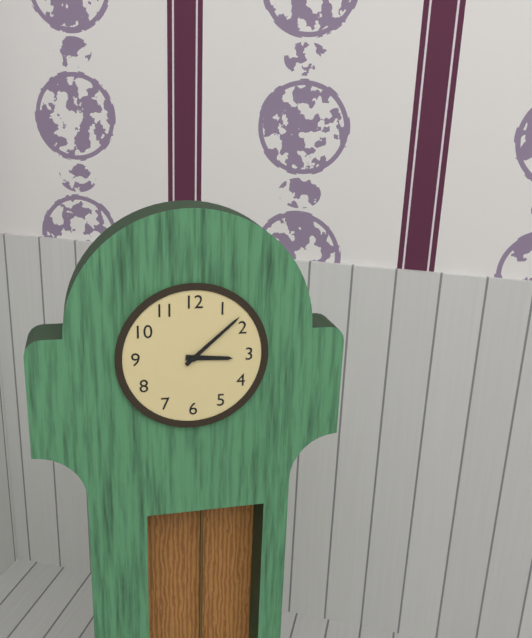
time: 3:08
